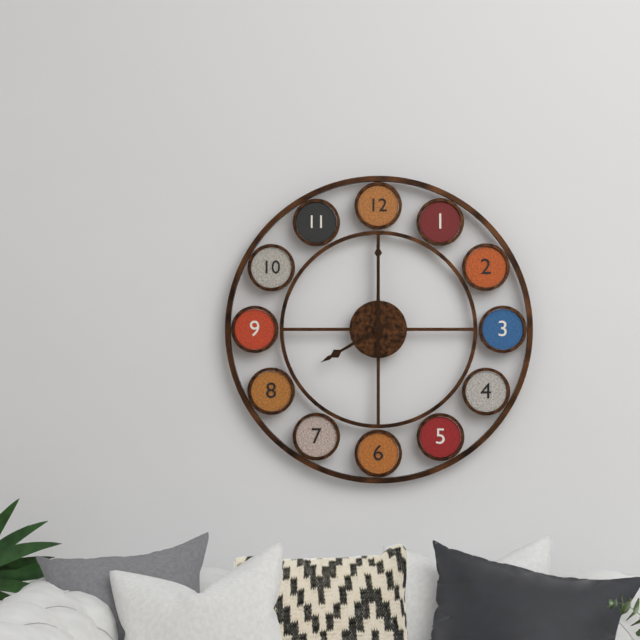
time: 8:00
